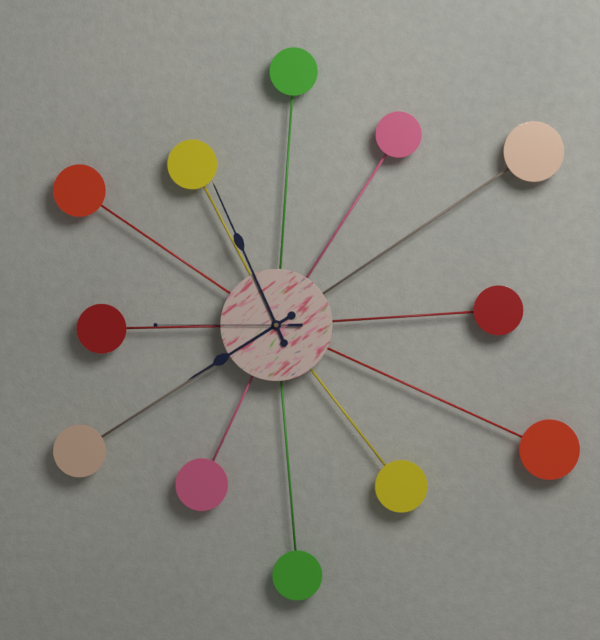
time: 7:56:45
